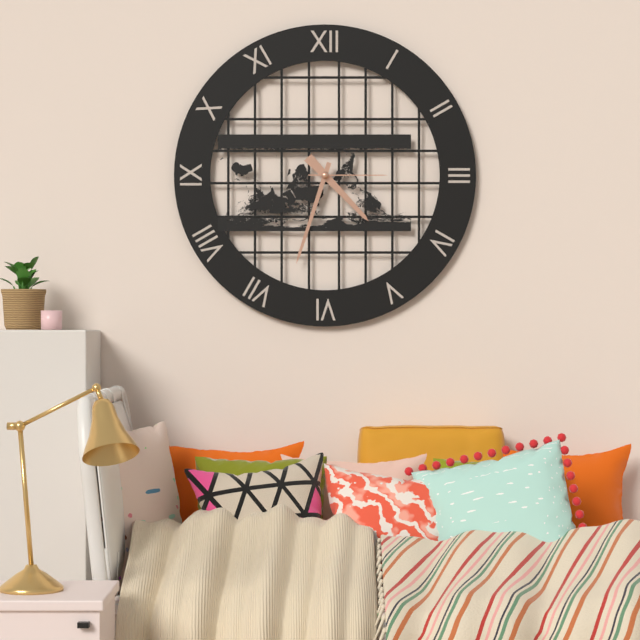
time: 4:33:15
